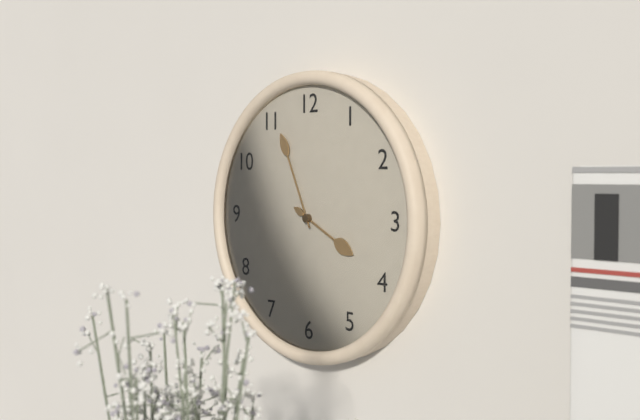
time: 3:56
